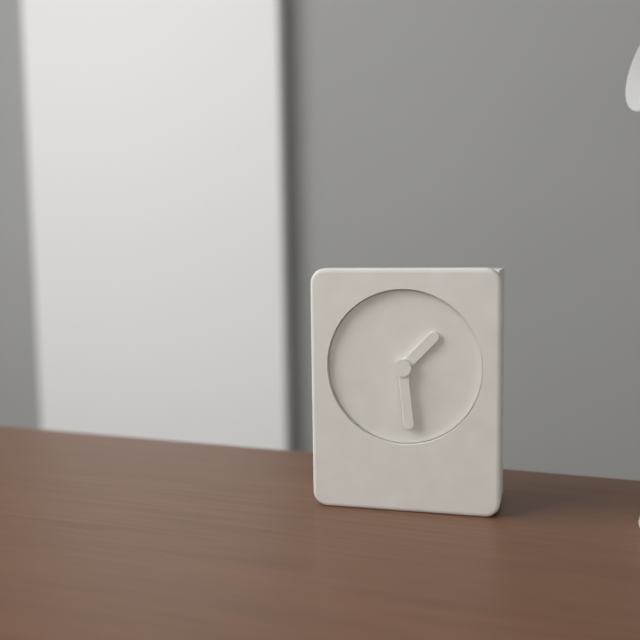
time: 1:29
